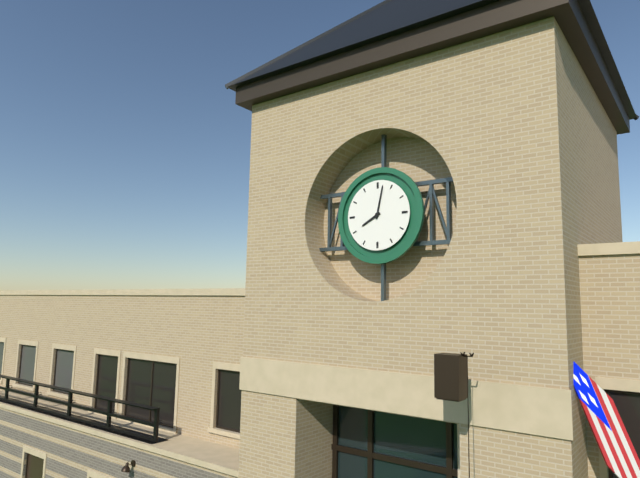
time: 8:02
